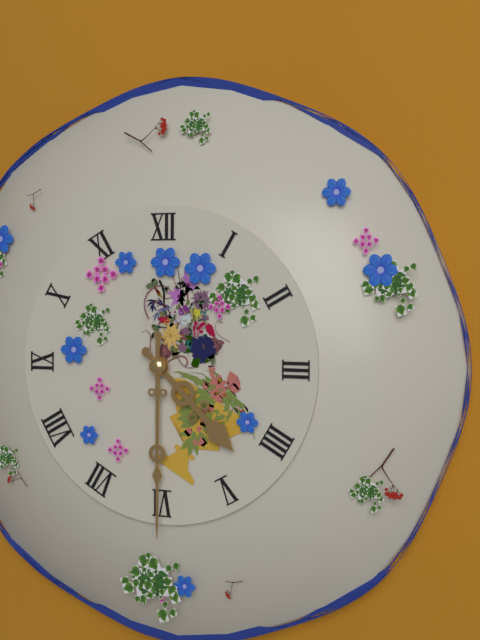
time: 4:30
